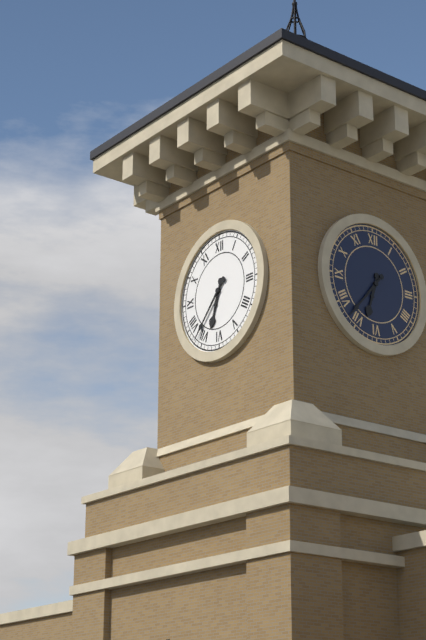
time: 6:37
